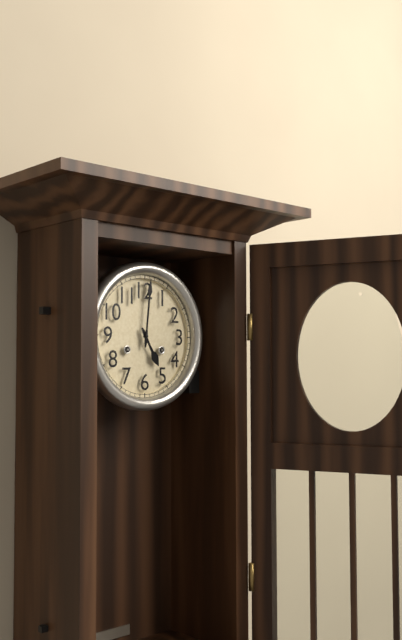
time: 5:01
